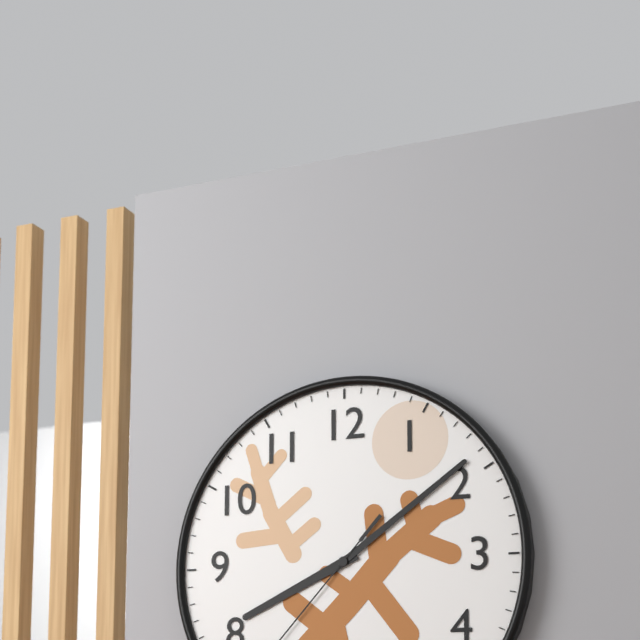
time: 8:09
